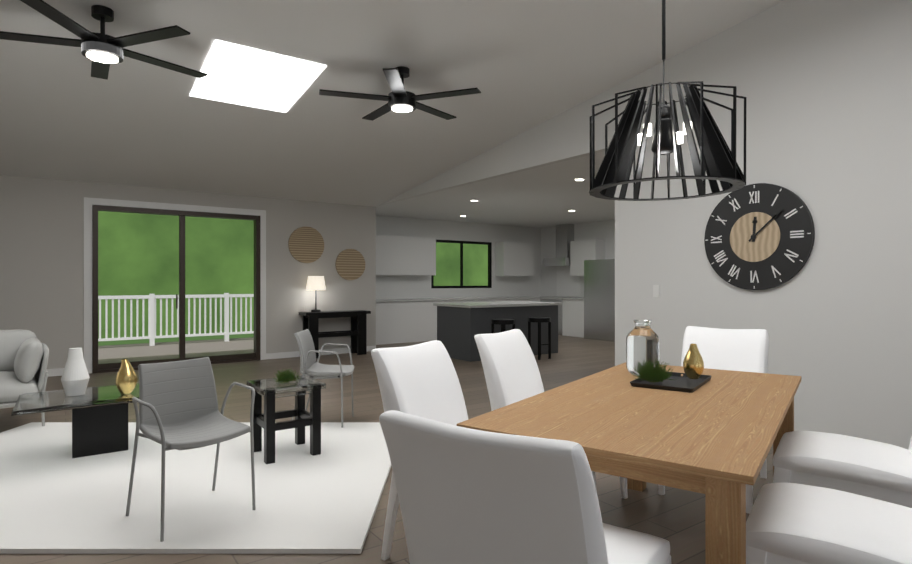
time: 12:08
